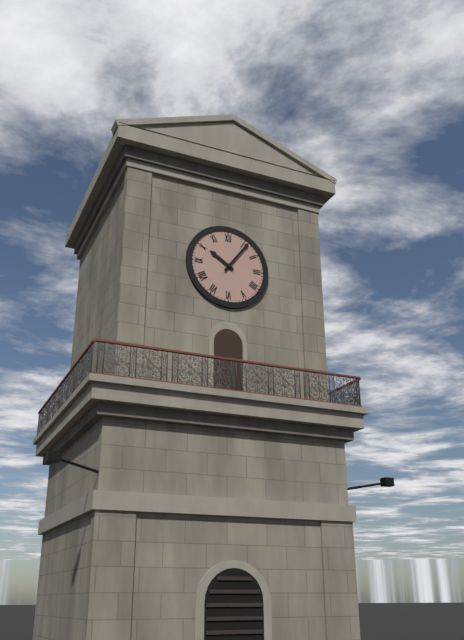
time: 10:06
